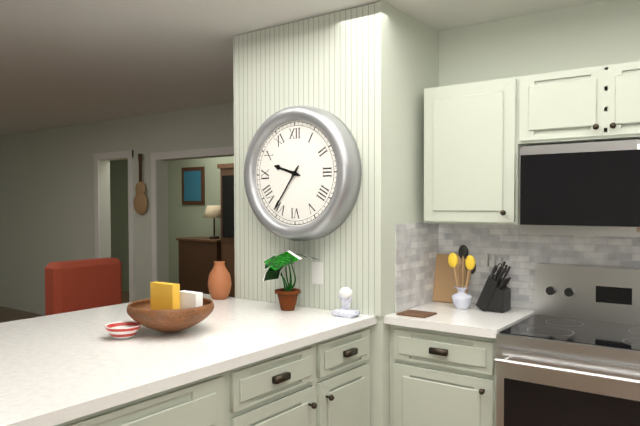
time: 9:36
